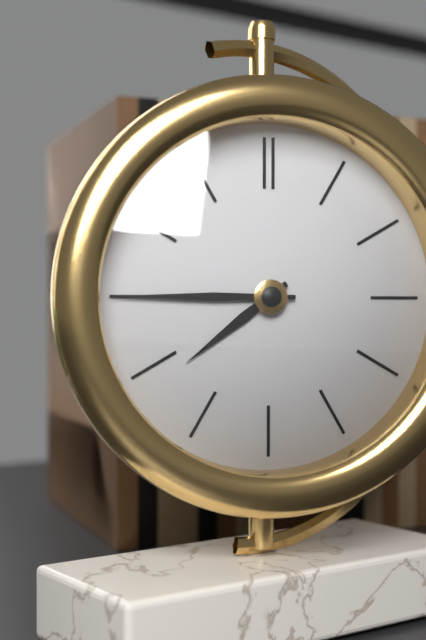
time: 7:45
